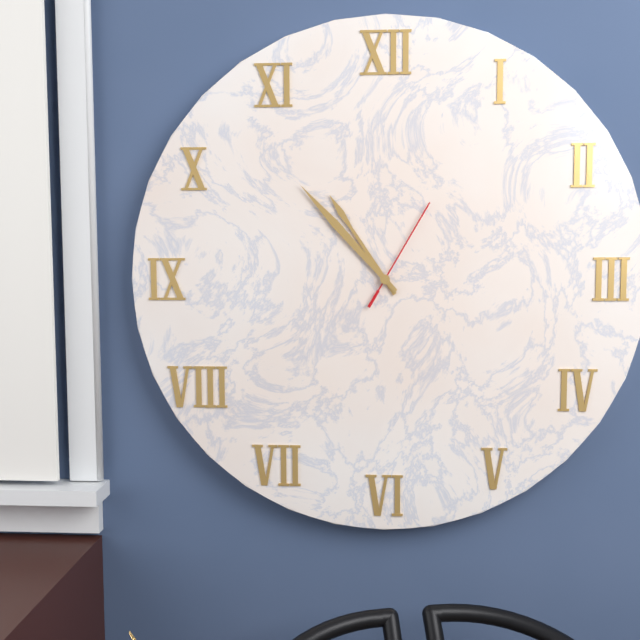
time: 10:53:05
